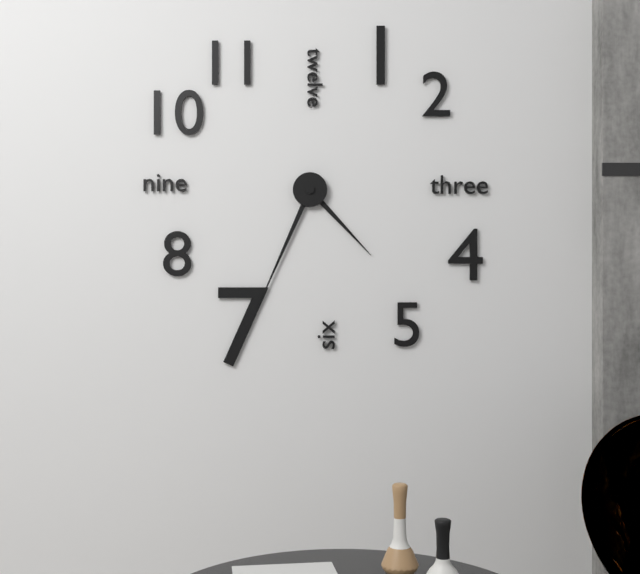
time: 4:34
